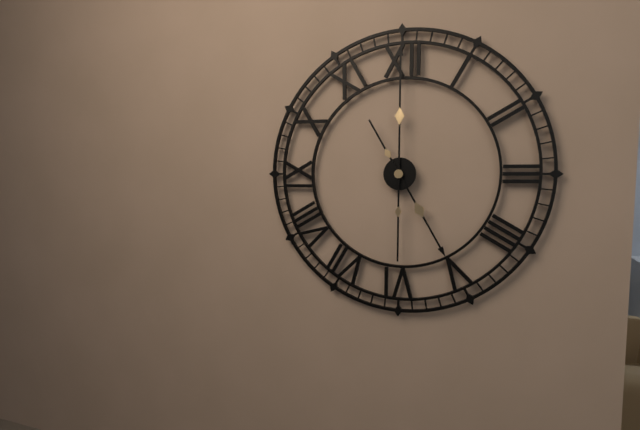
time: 5:00
